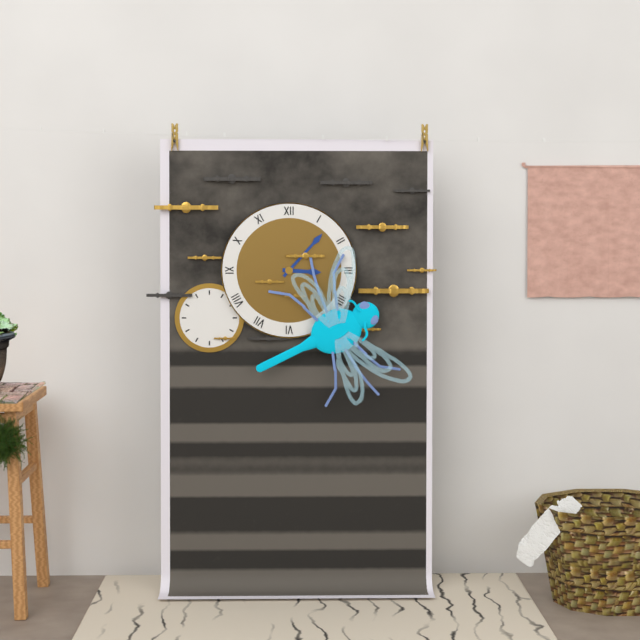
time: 3:07
